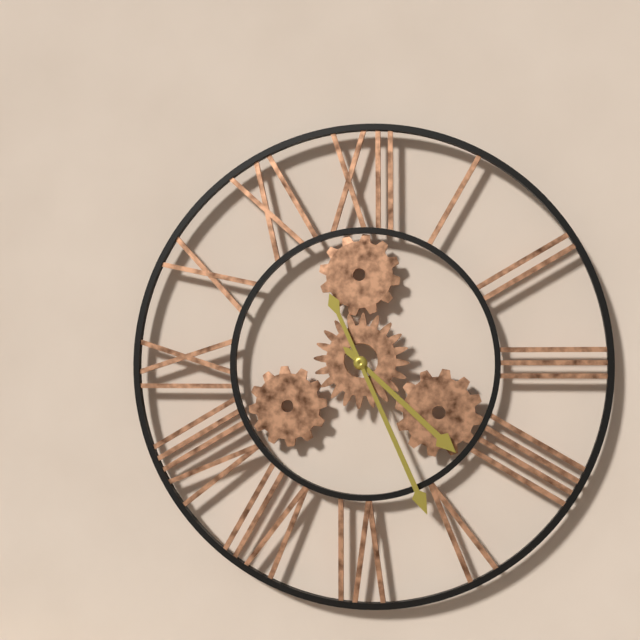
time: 4:26
